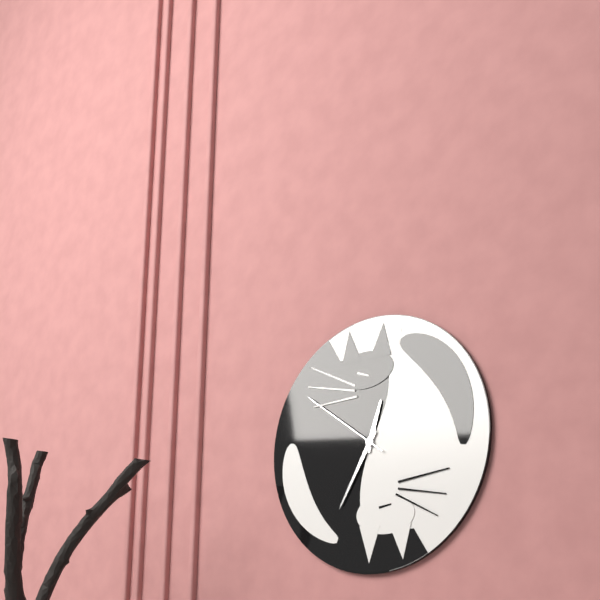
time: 12:35:51
